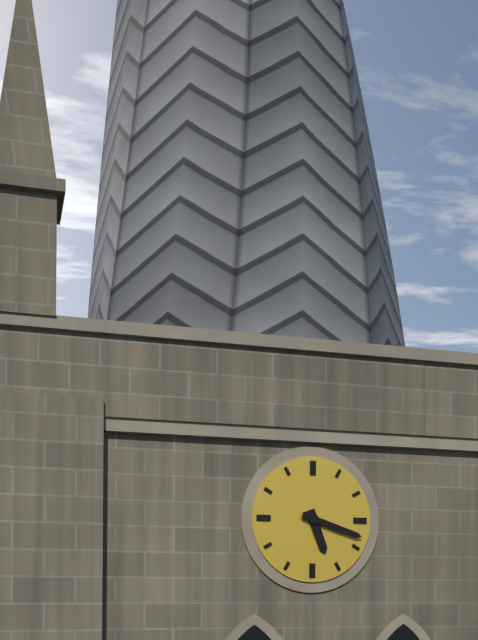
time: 5:18
